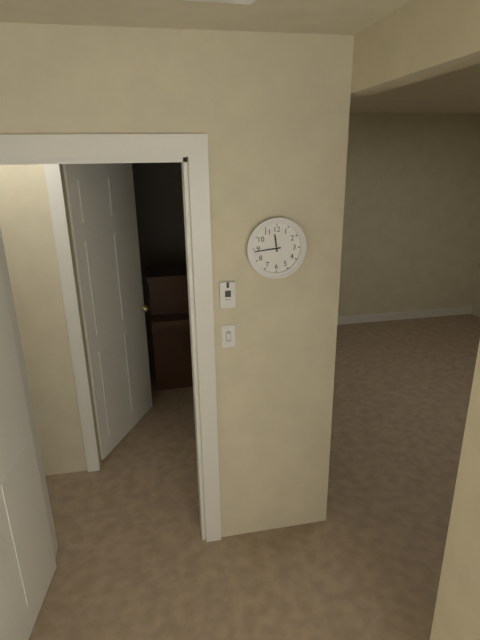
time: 11:44
